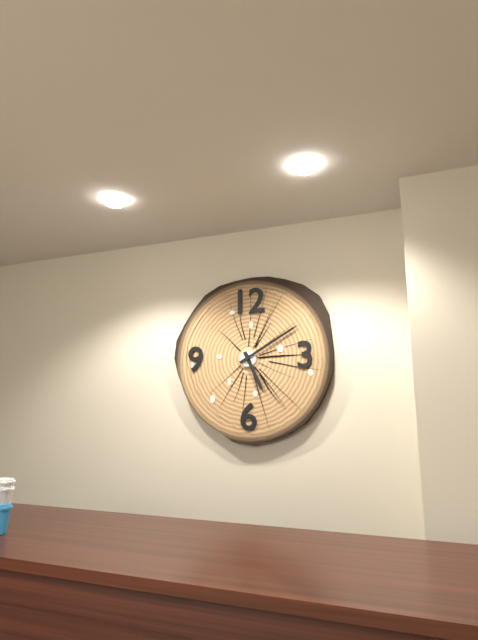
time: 5:10
